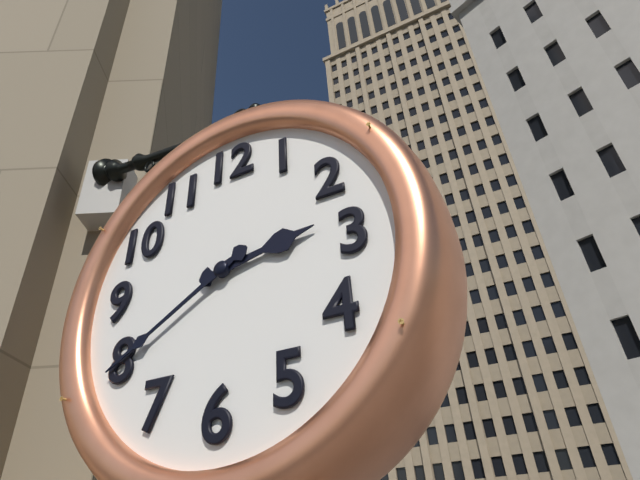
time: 2:40
